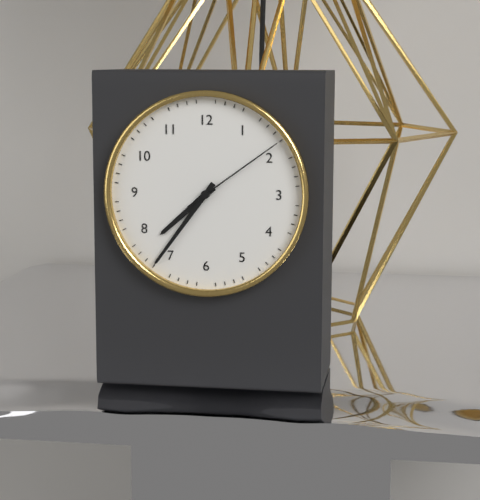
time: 7:36:09
